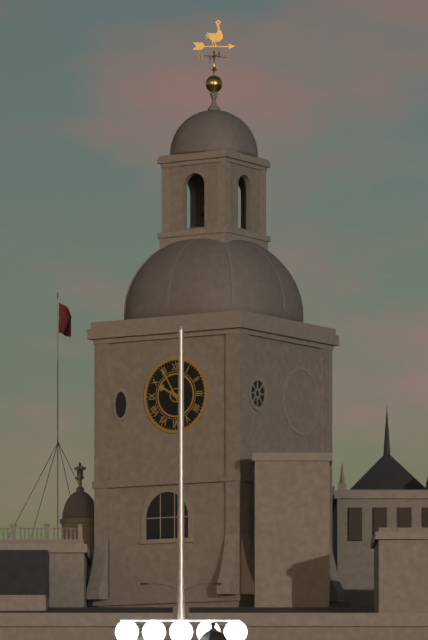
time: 9:55
